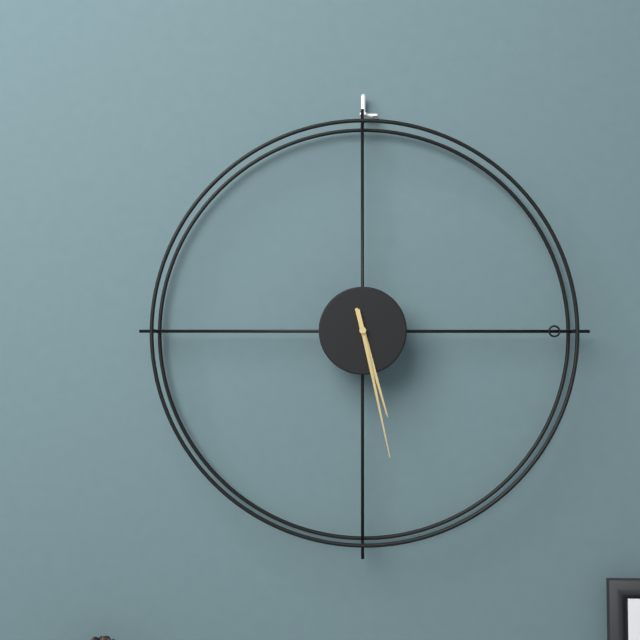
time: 5:28
